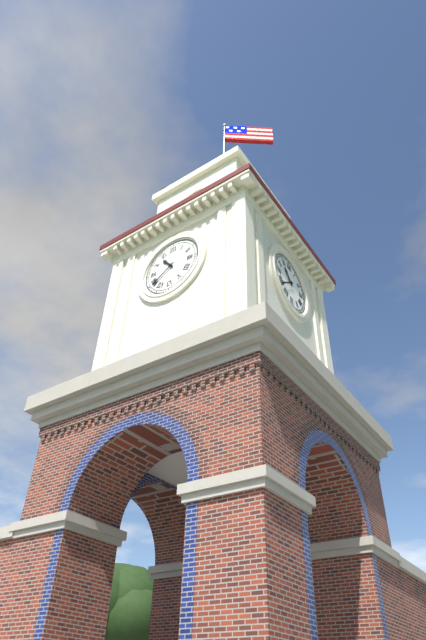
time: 10:39
